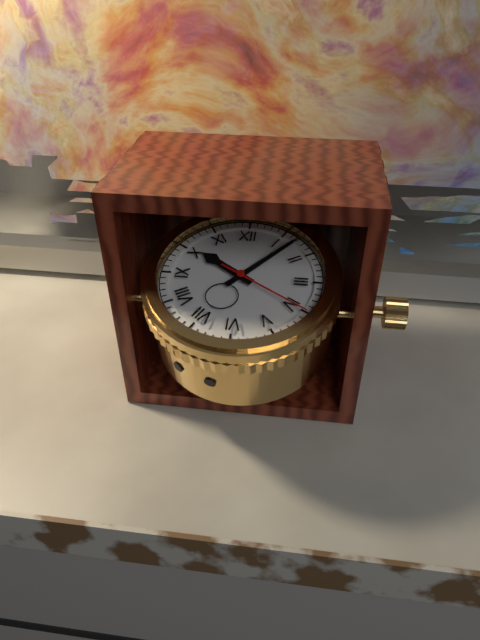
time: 10:07:20
